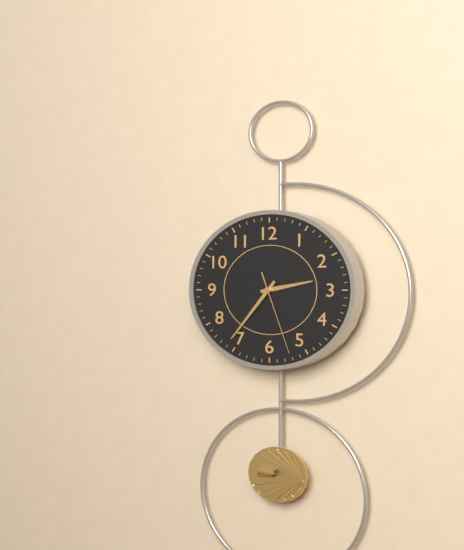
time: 2:36:27
